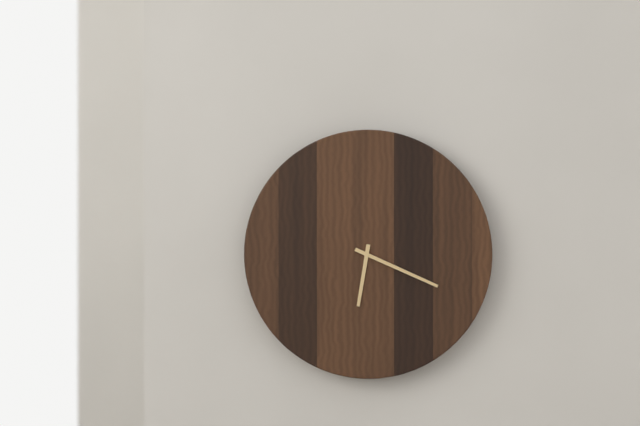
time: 6:19
